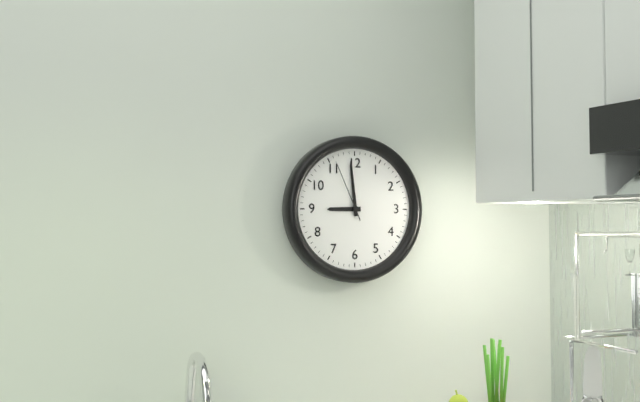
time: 8:59:56
